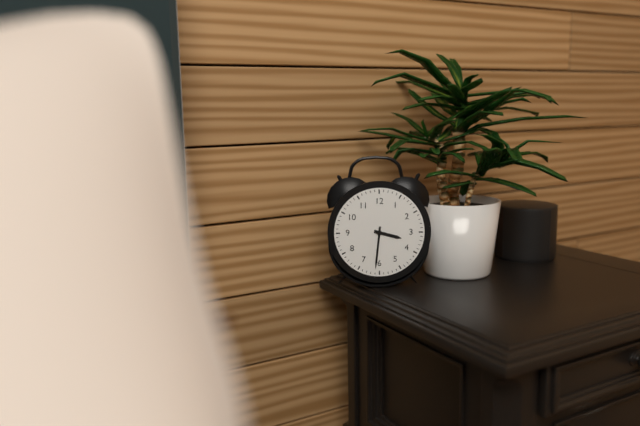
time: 3:31
